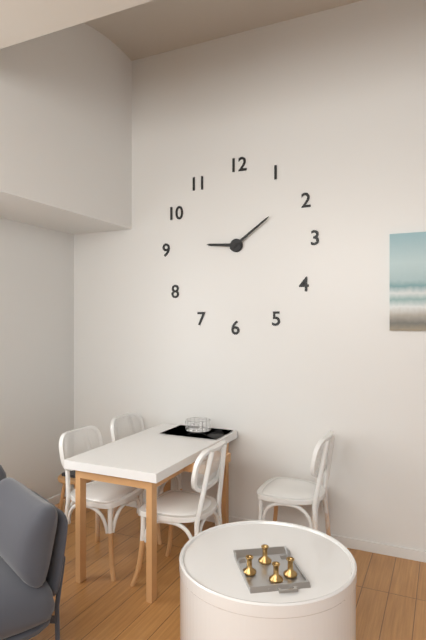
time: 9:09
